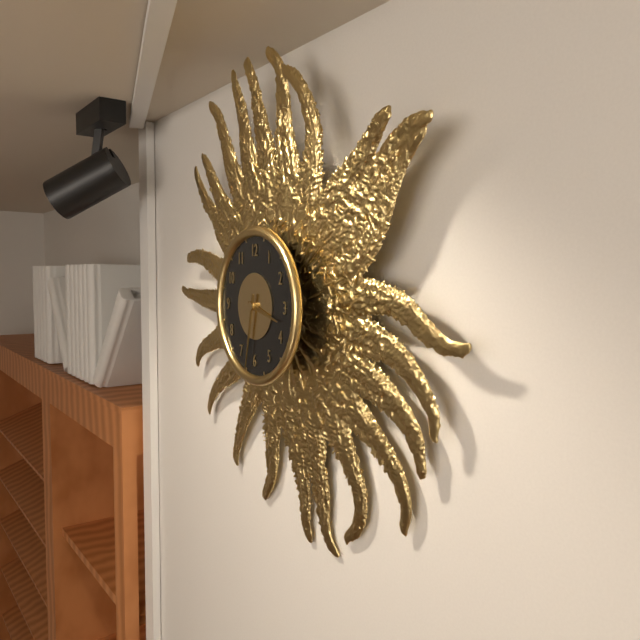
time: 3:32
